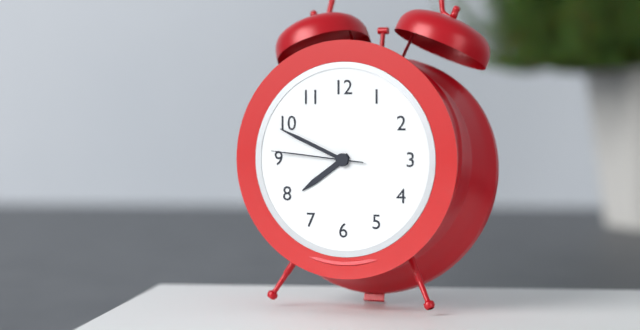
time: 7:49:46
